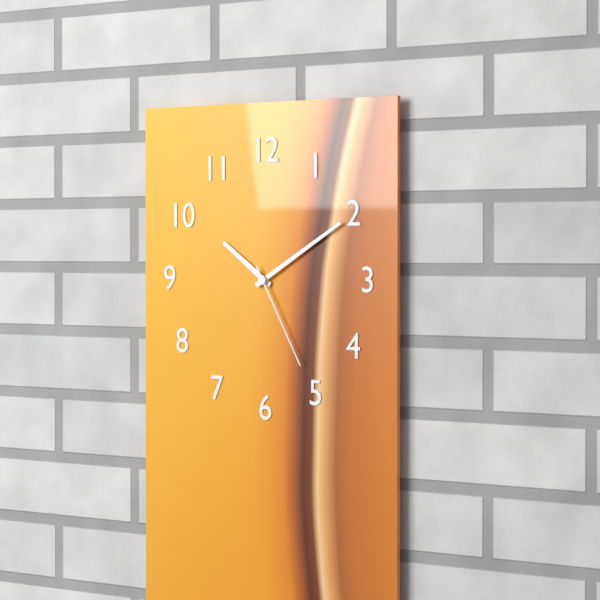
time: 10:10:25
